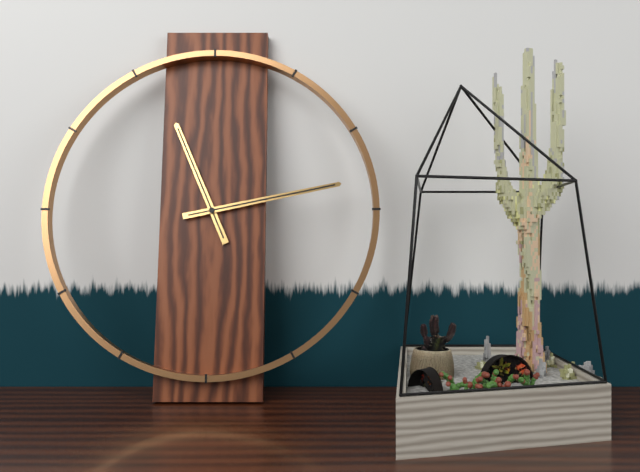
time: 11:13
